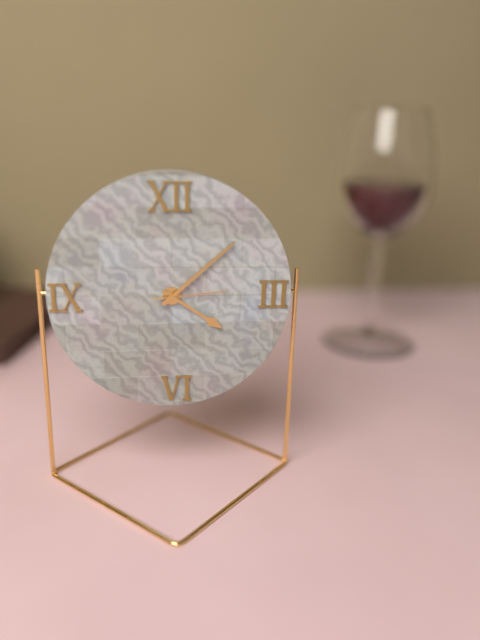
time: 4:08:14
